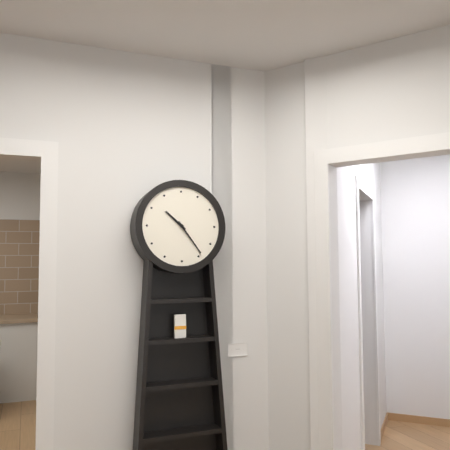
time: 10:24
